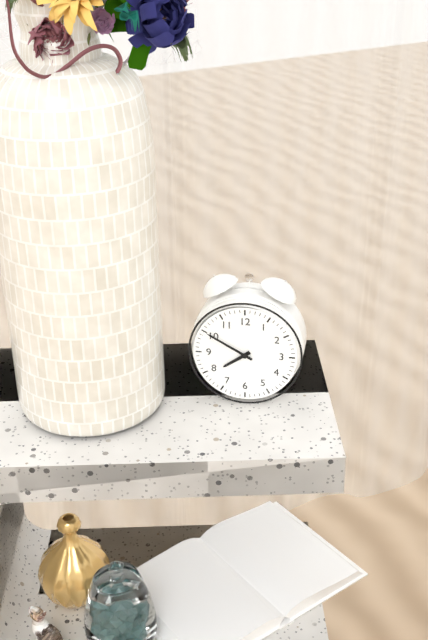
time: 7:50
